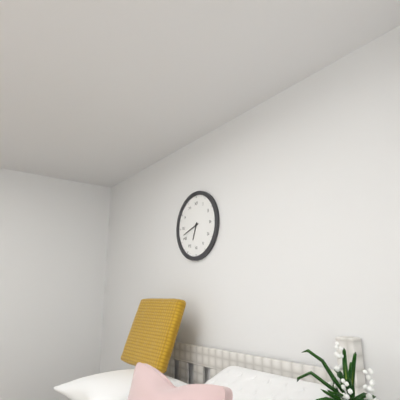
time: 6:42
